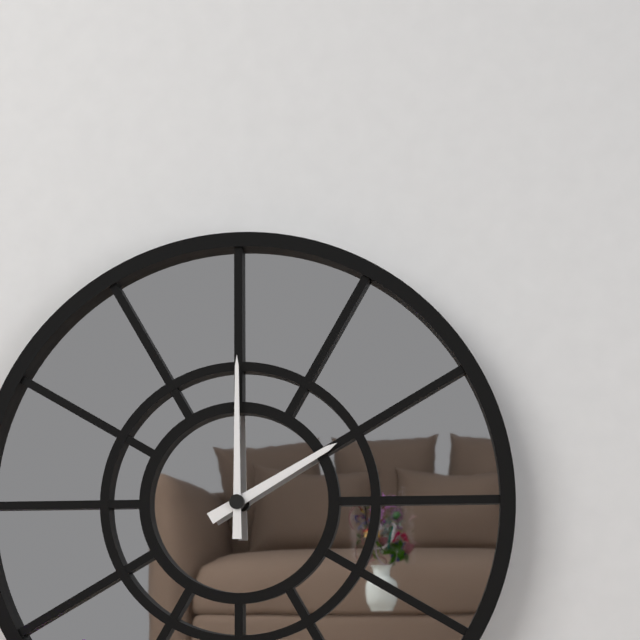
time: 2:00
